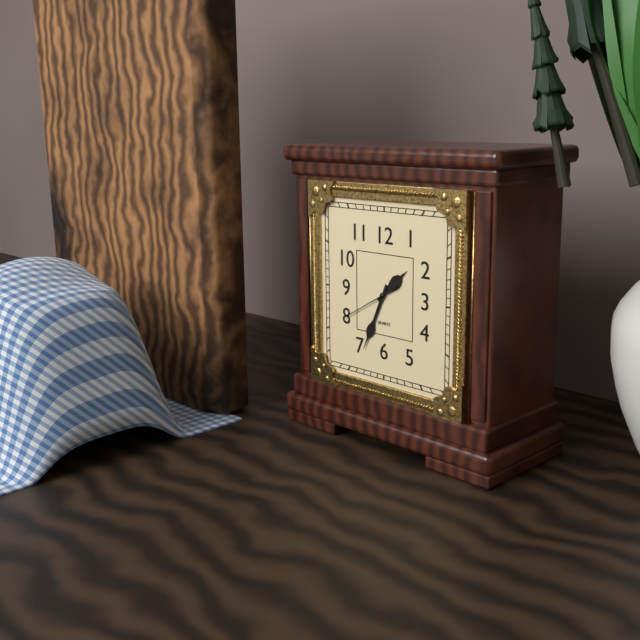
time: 1:34:40
